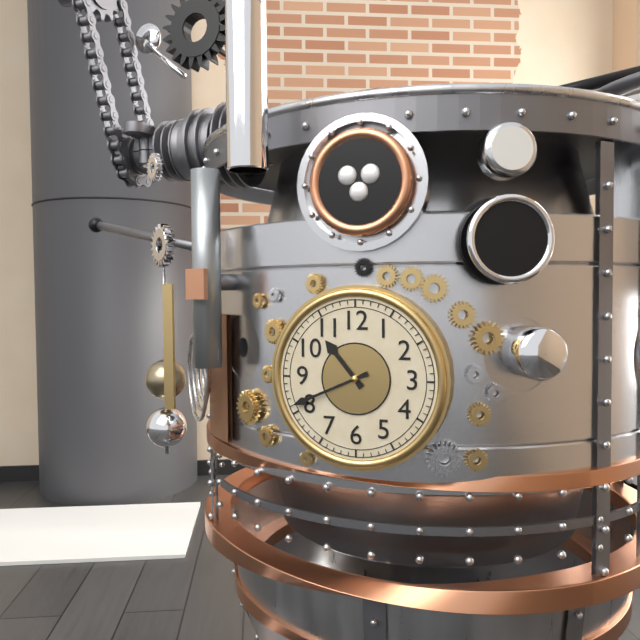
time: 10:41
